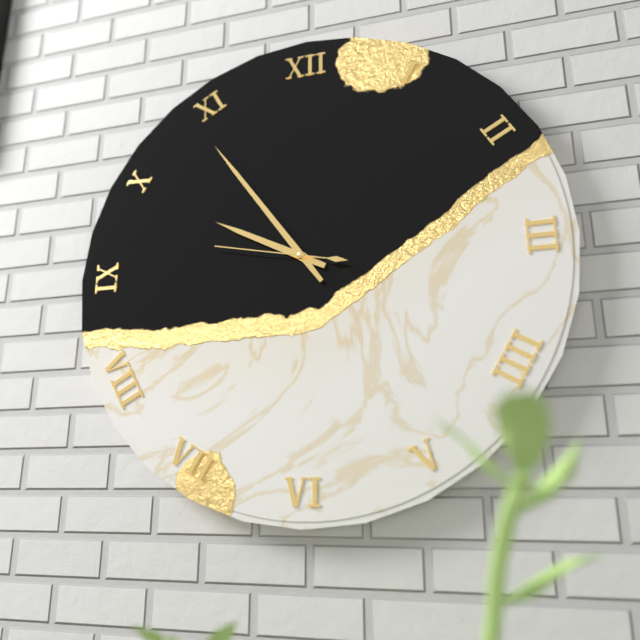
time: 9:54:47
